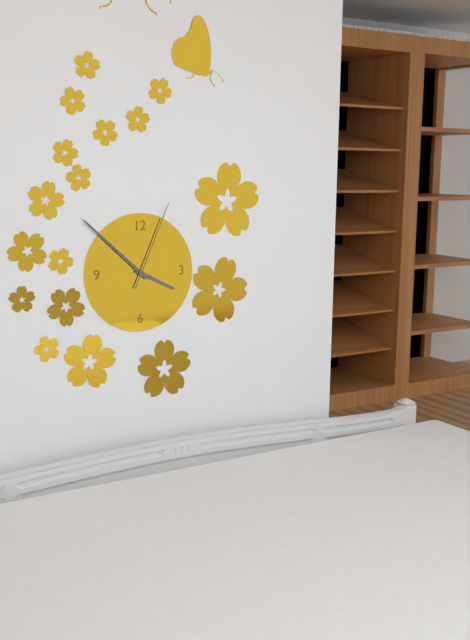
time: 3:52:04
